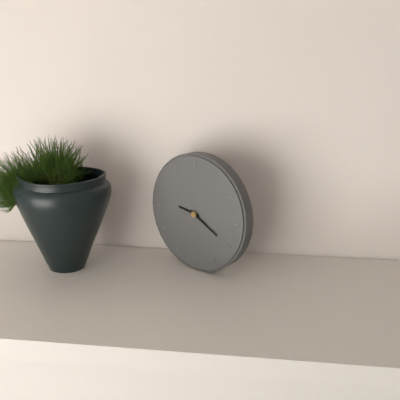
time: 9:20
